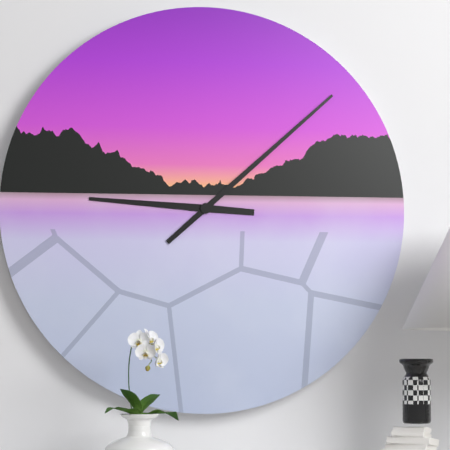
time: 9:08
